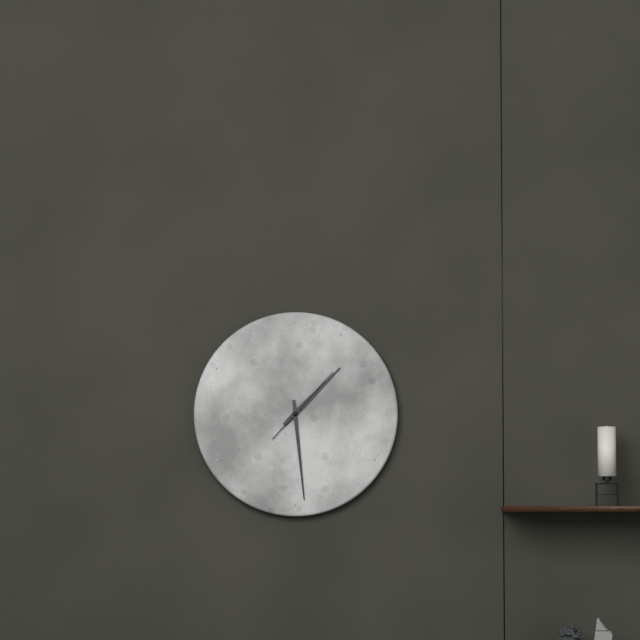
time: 1:29:07
